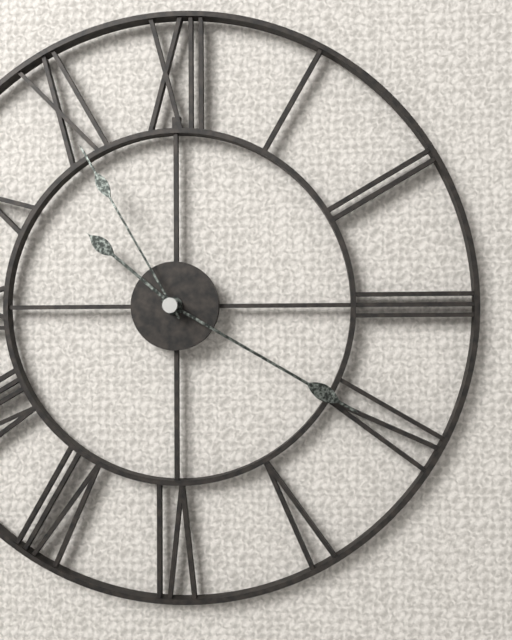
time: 10:20:55
